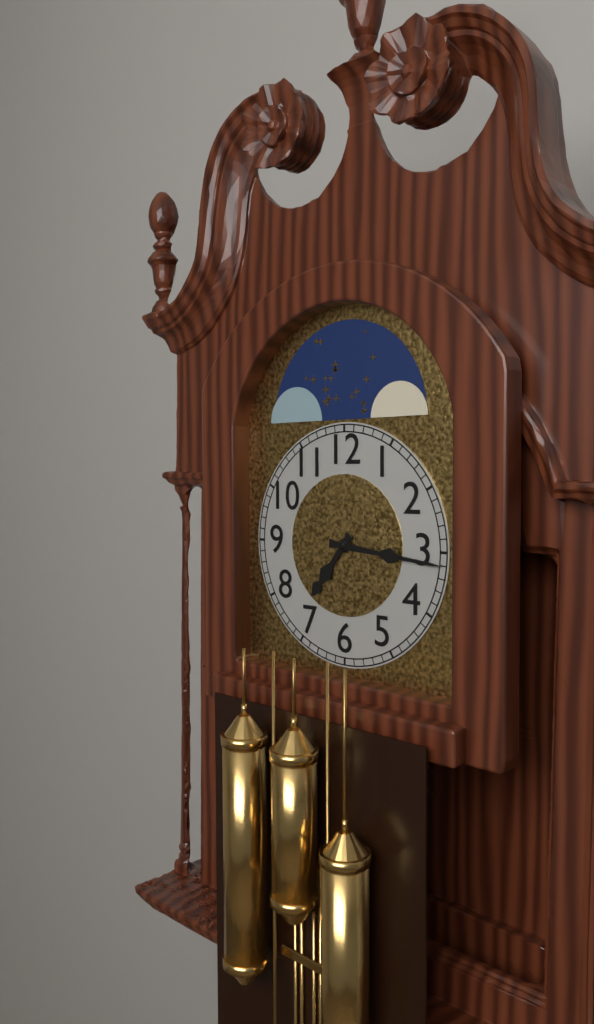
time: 7:16
